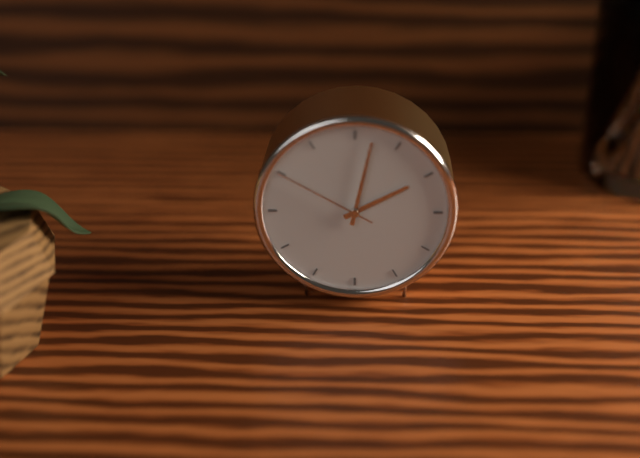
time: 2:02:50
